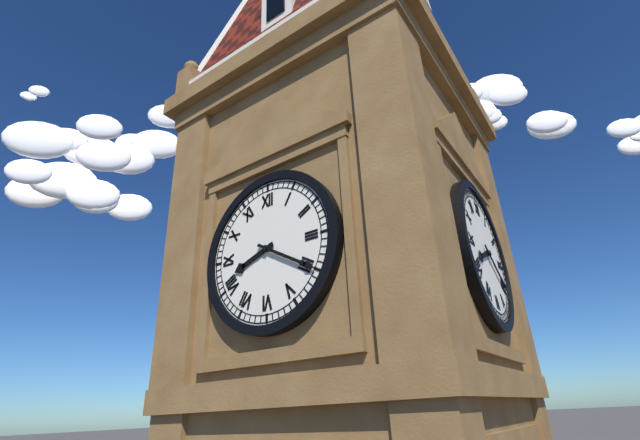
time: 8:20
